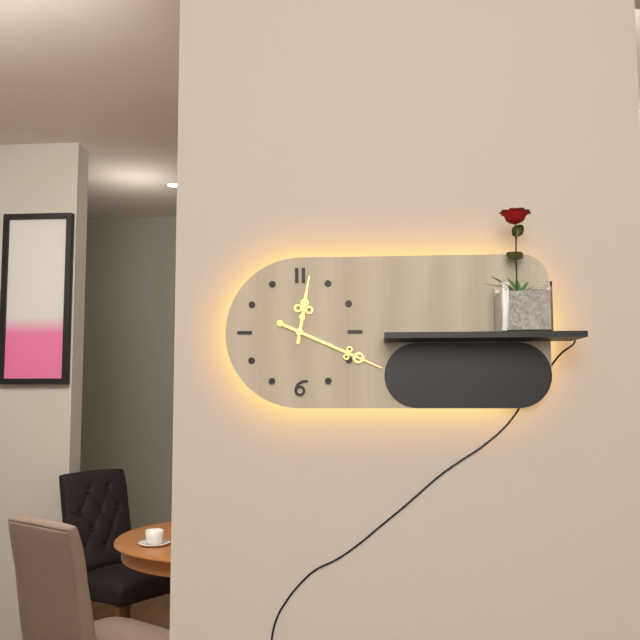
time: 12:19
